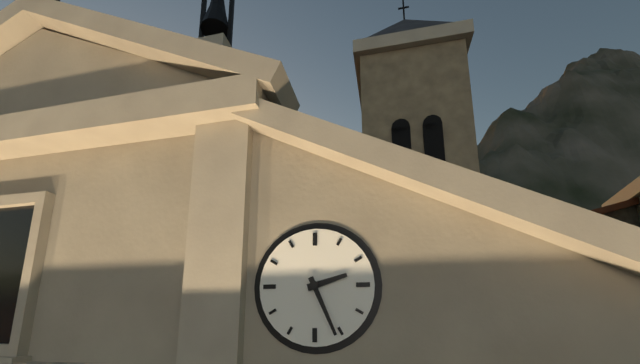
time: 2:26
